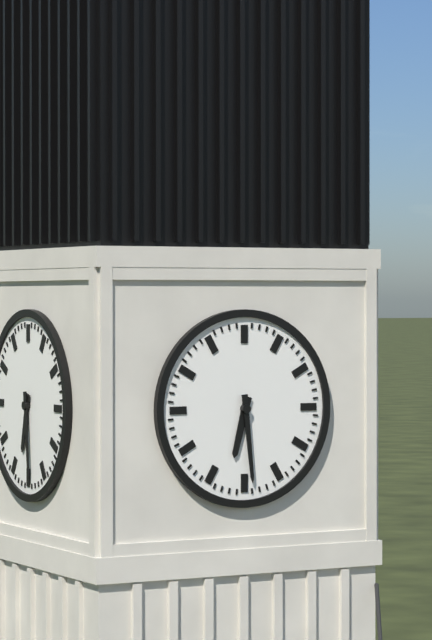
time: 6:29
